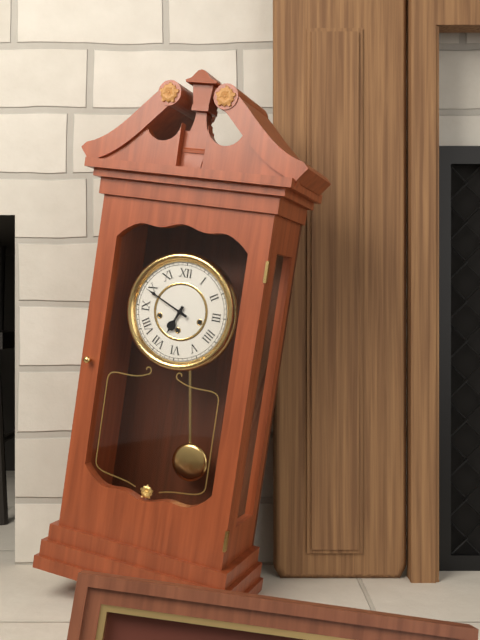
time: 6:49
